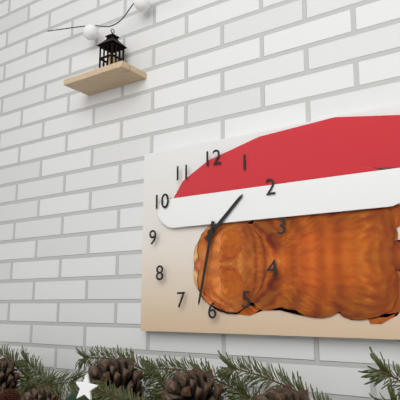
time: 1:32
